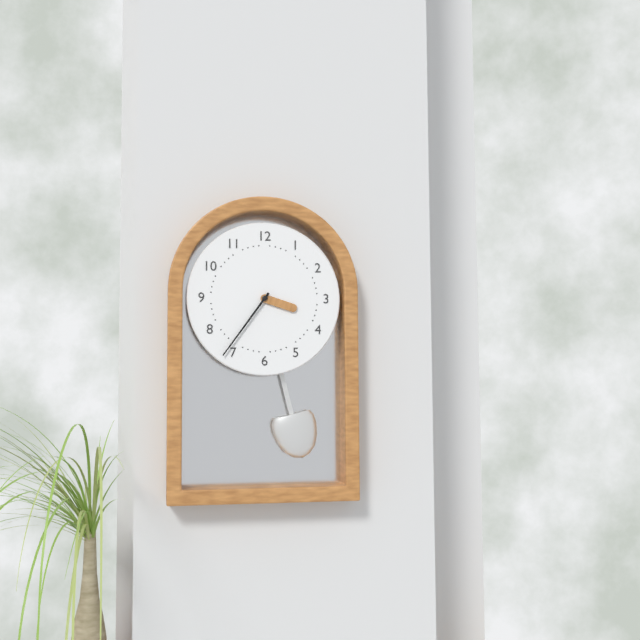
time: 3:36
